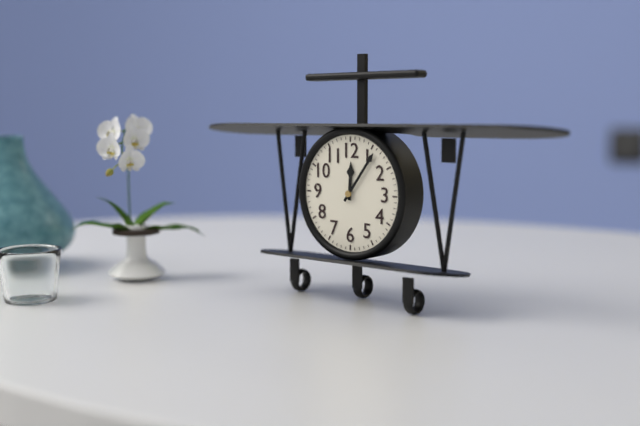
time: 12:06
